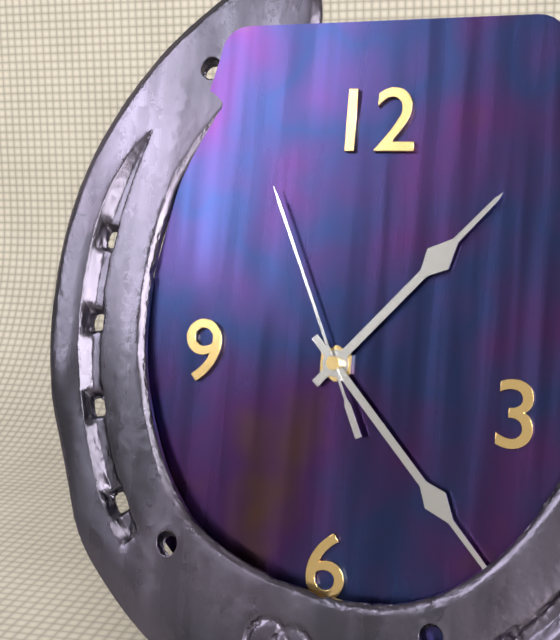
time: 1:23:56
